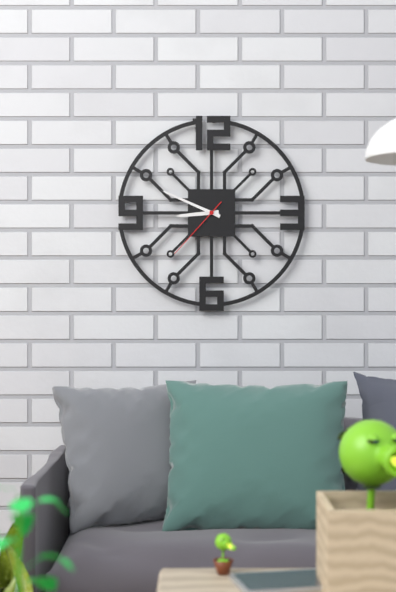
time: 8:49:37
